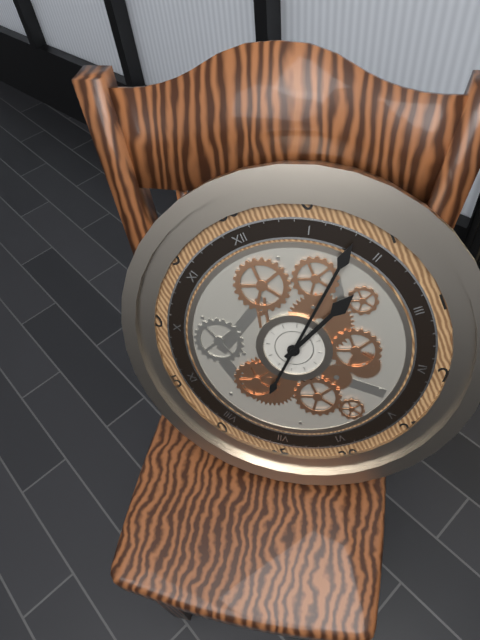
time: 2:08
